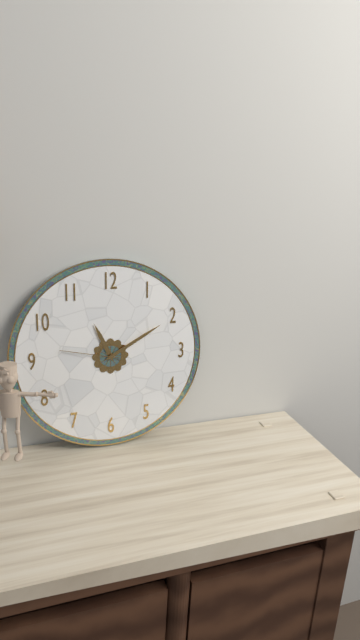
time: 11:10:47
